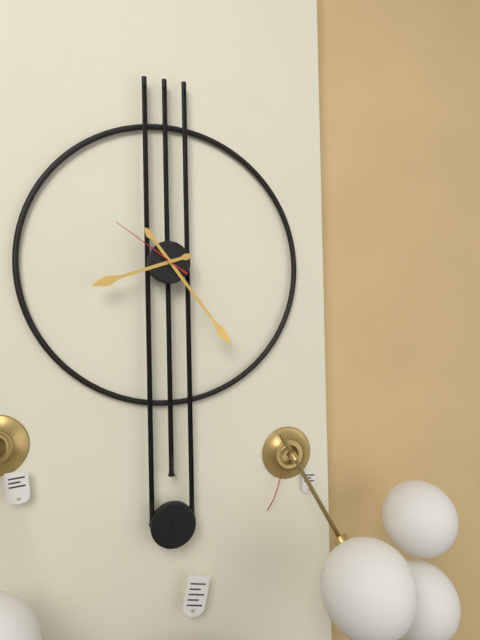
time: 8:24:51
